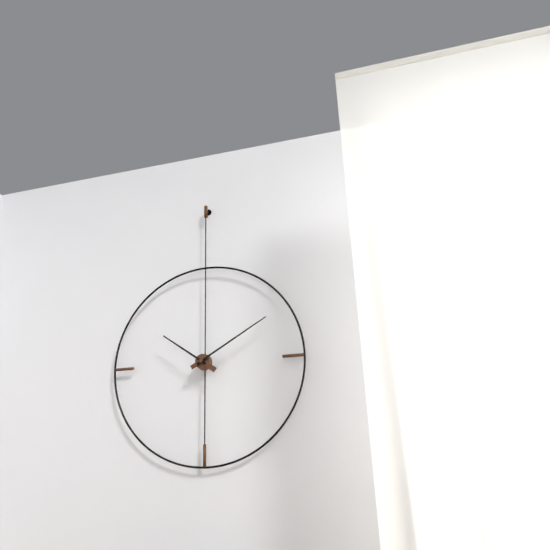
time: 10:10
